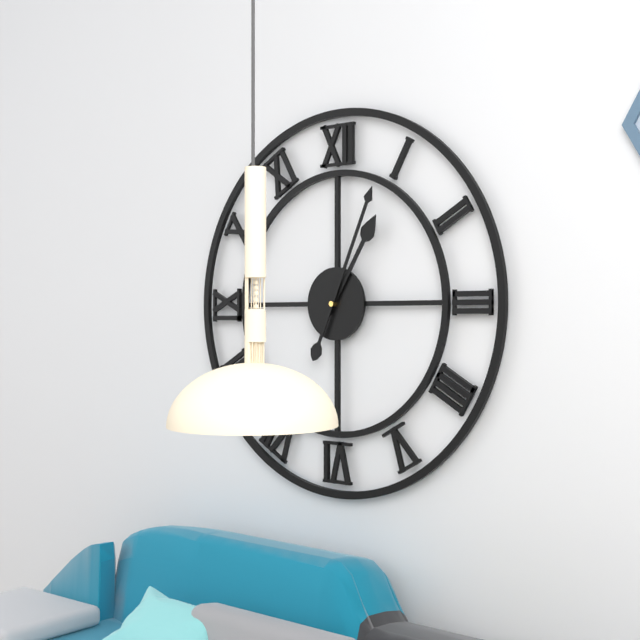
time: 1:04
